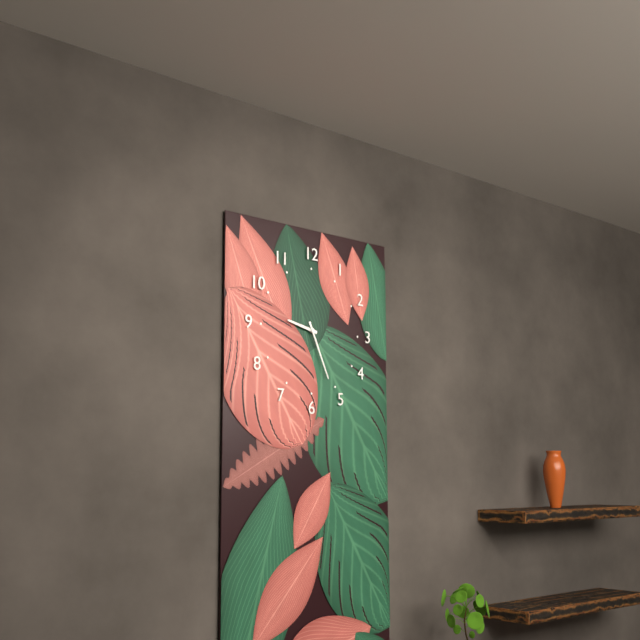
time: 9:26
